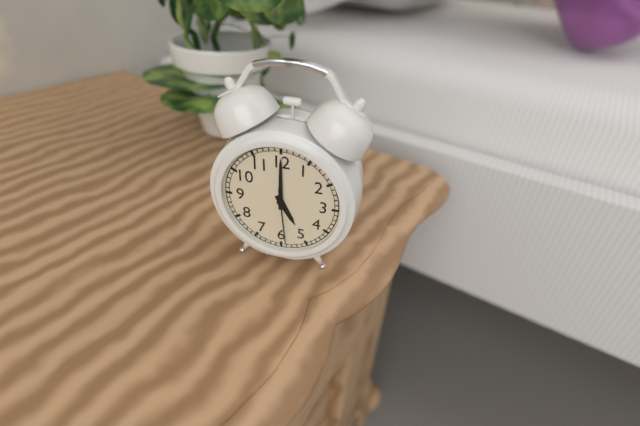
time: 5:00:29
